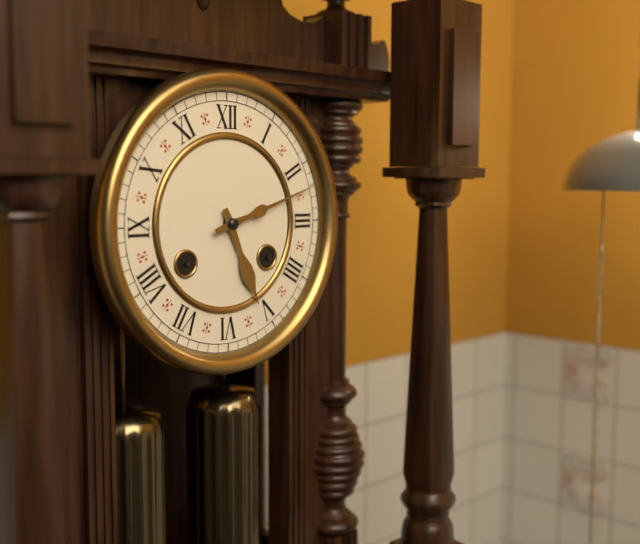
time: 5:12
